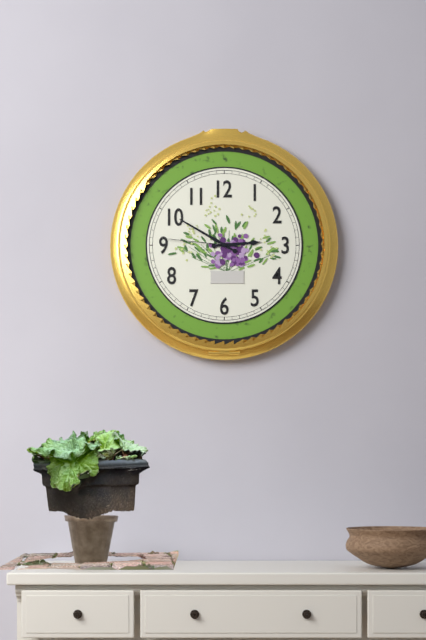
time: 2:50:46
